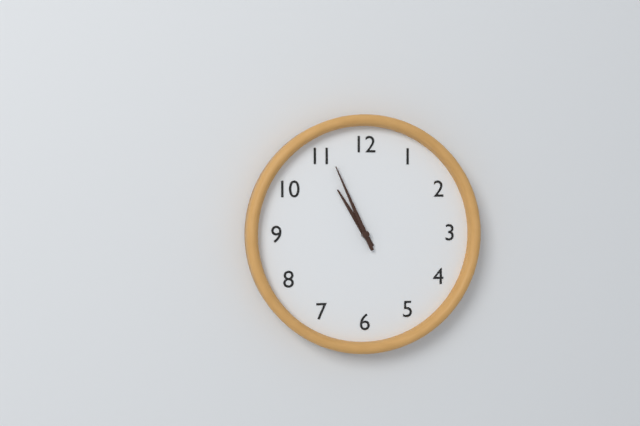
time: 10:56
